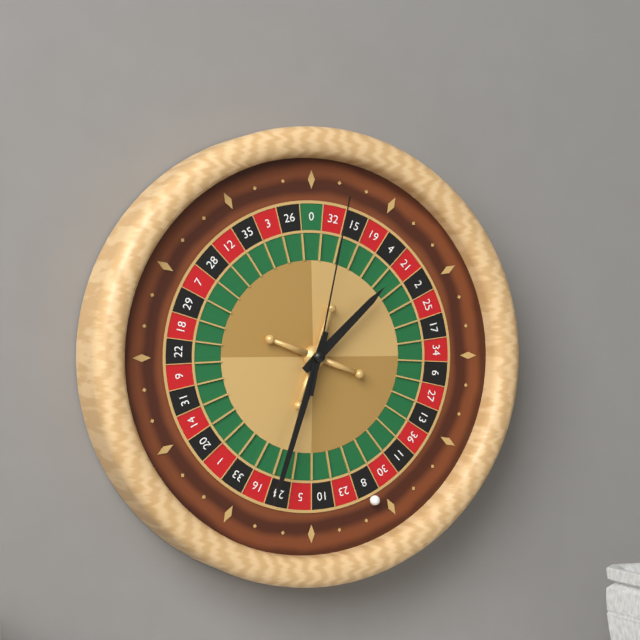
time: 1:33:02
